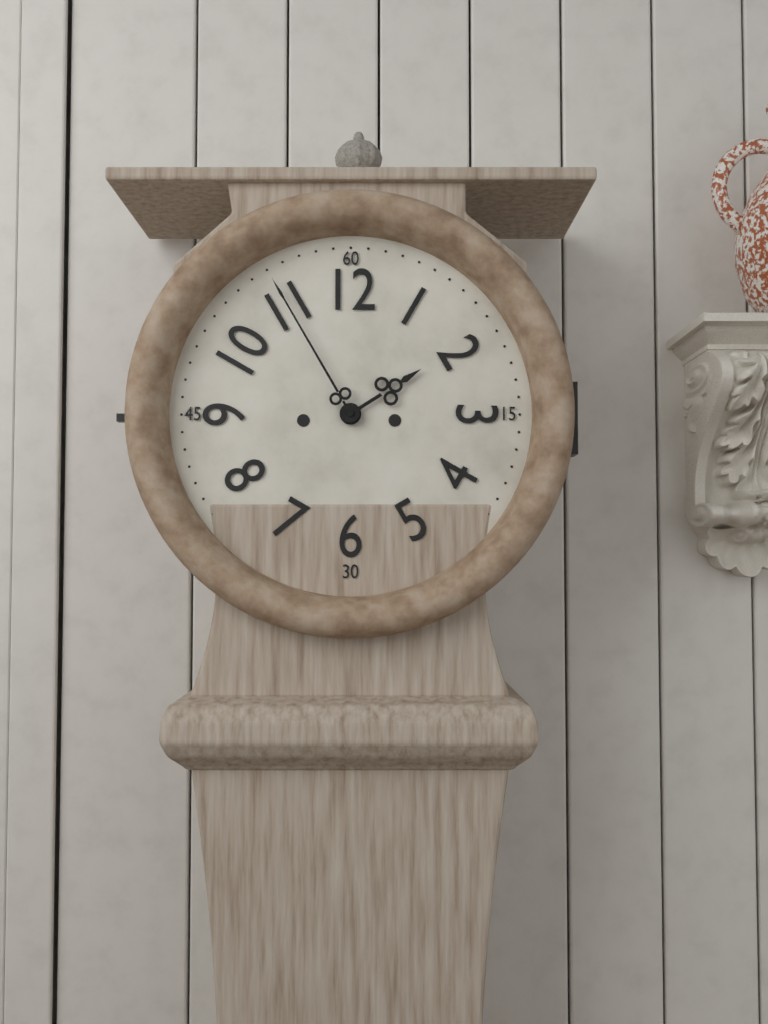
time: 1:55
